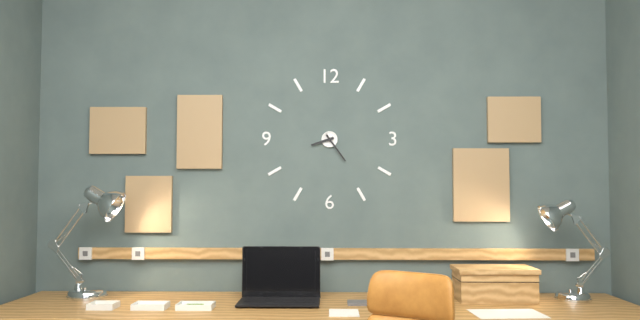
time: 8:24
